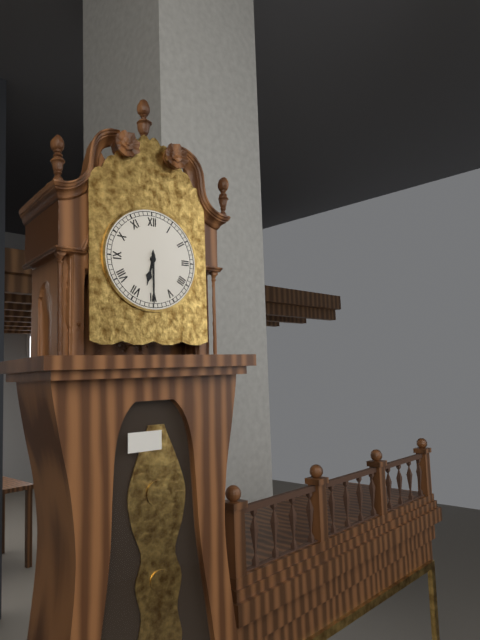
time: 6:30
